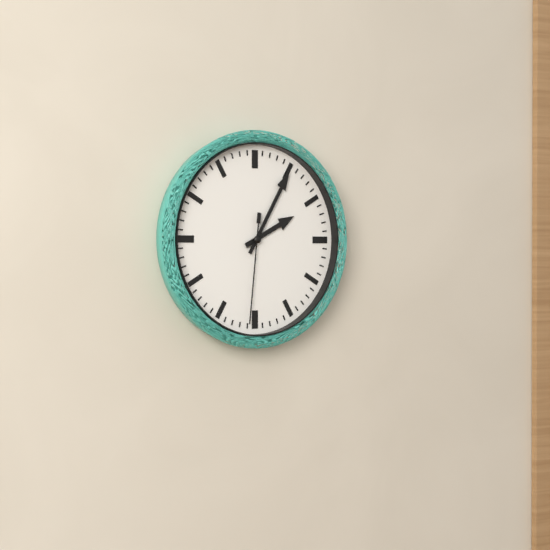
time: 2:05:31
